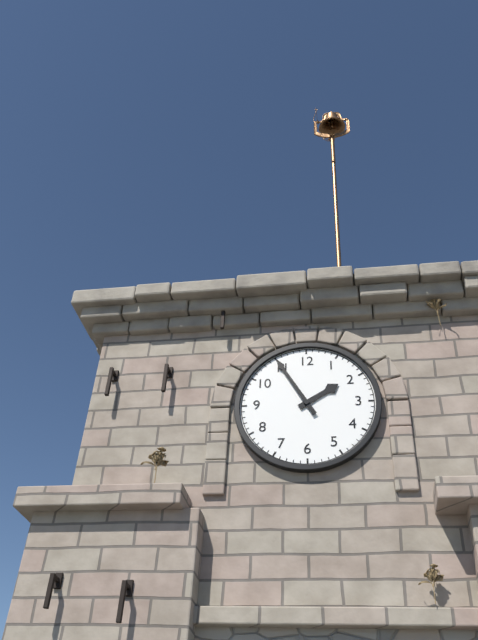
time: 1:55
